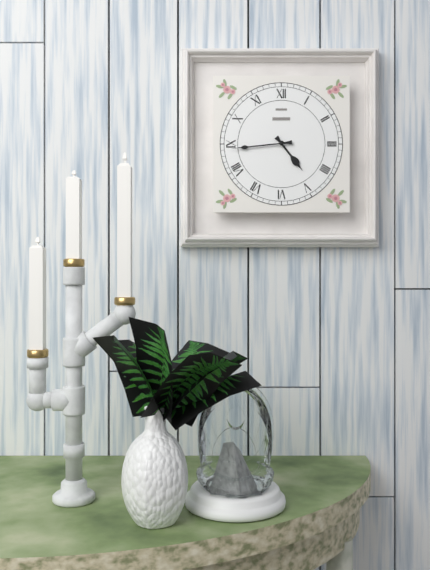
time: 4:44
